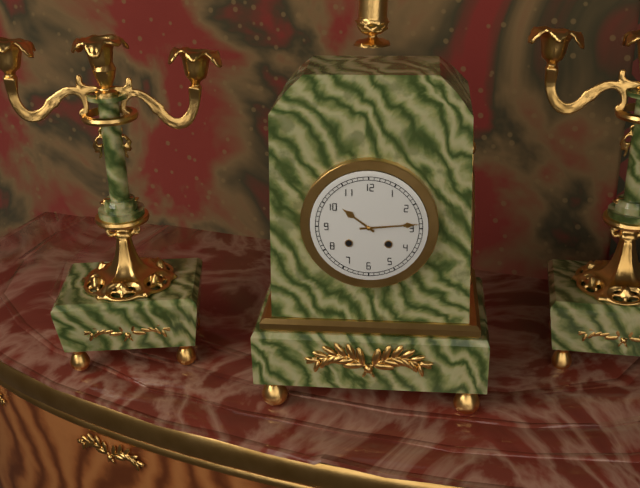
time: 10:14
